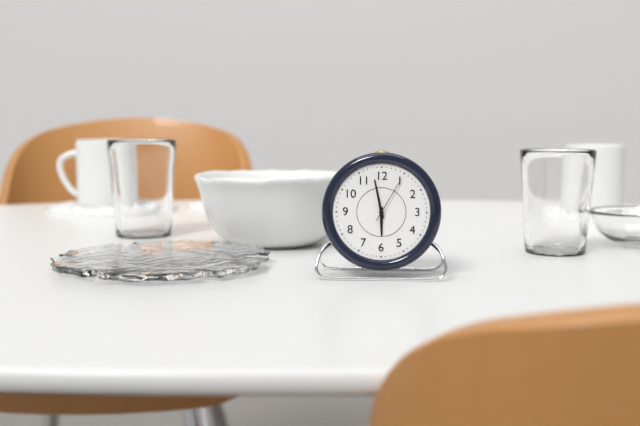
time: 5:58
